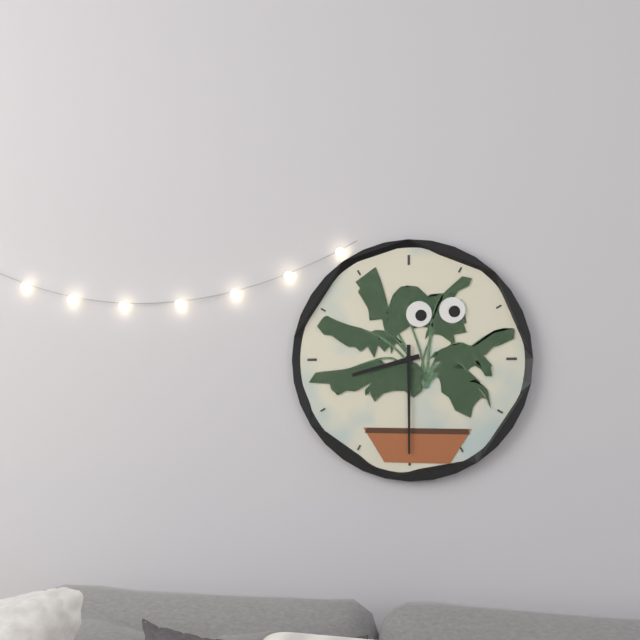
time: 8:30
